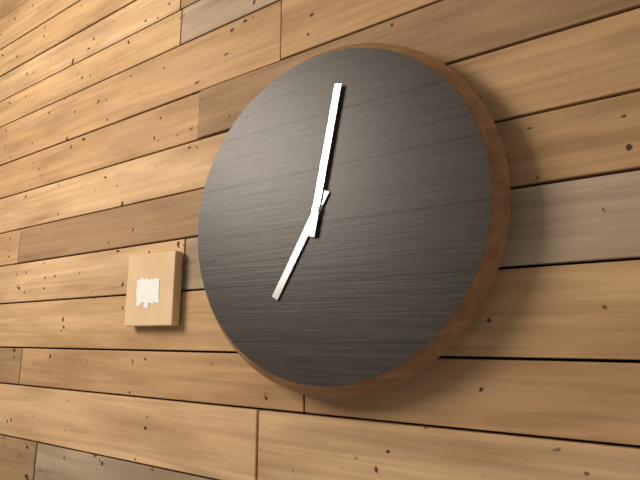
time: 7:02
